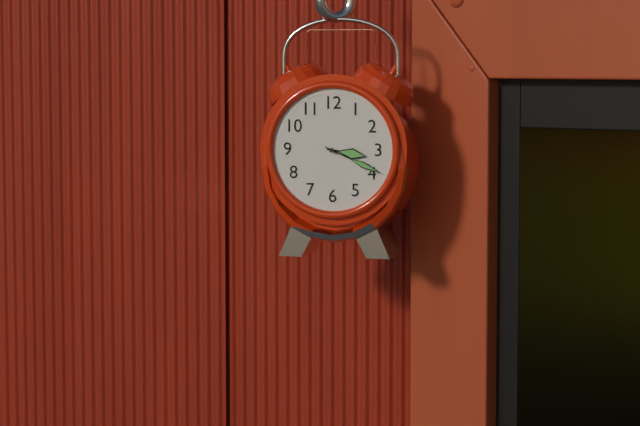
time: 3:19
